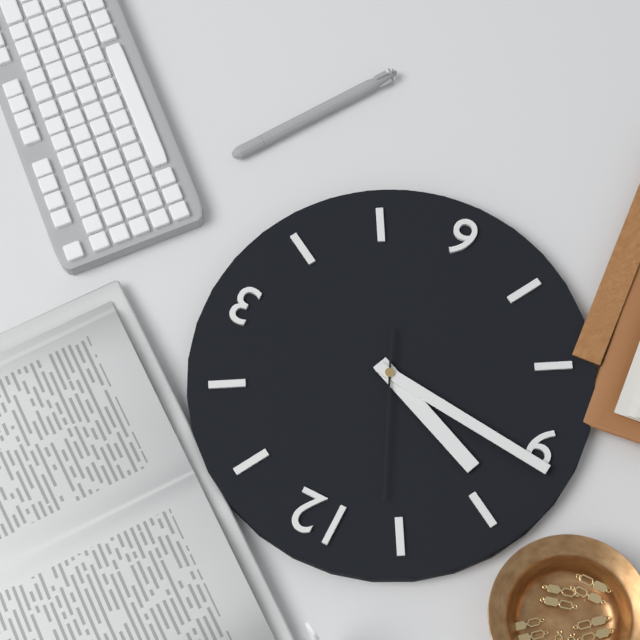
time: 9:46:56
